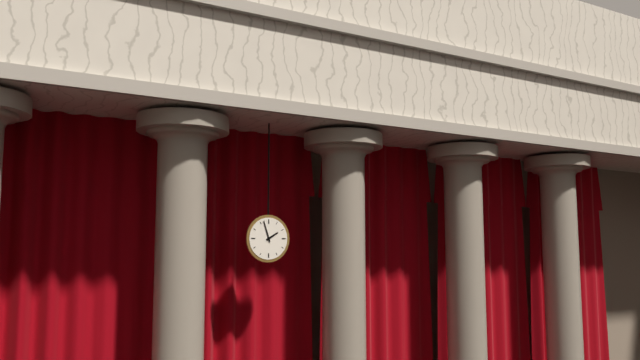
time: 1:57
